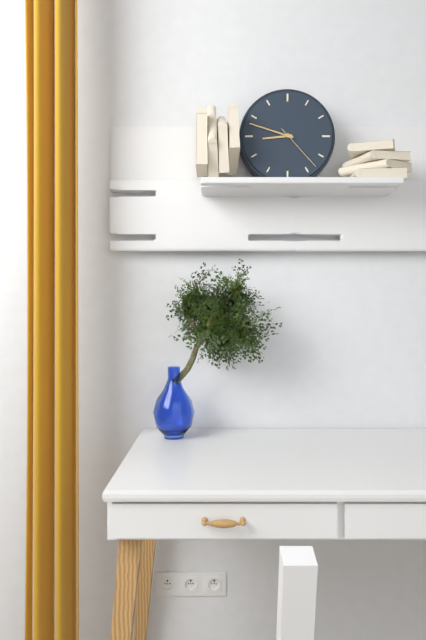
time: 8:48:23
